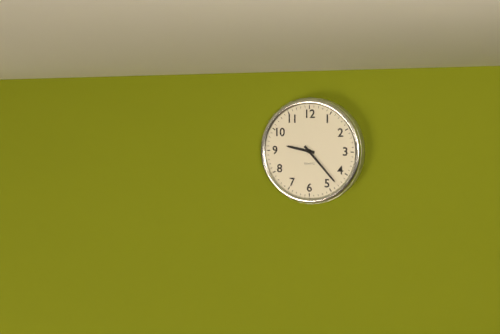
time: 9:23
